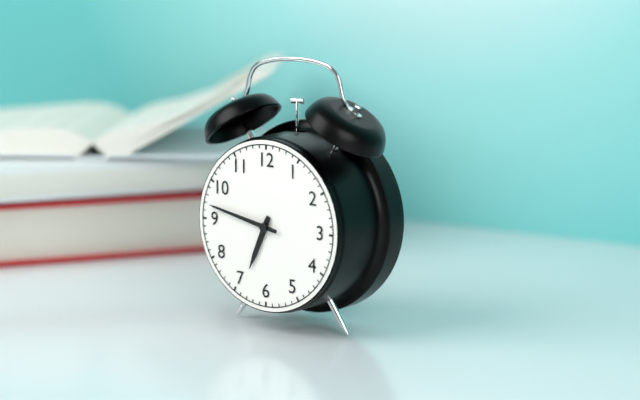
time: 6:47
